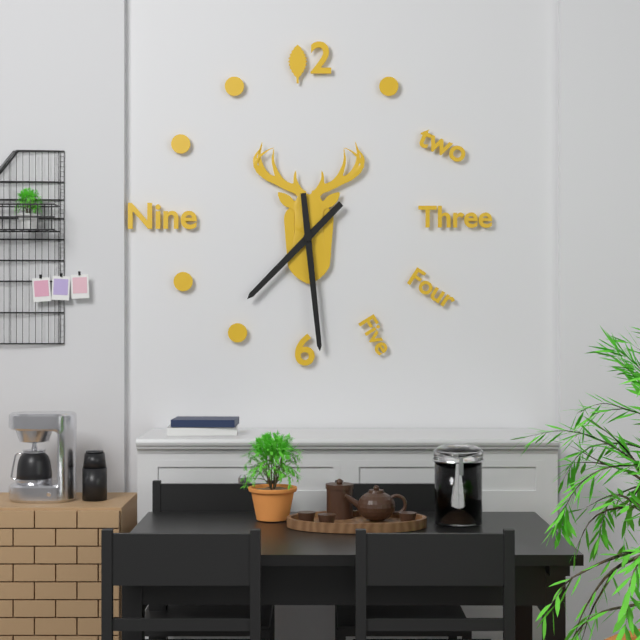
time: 7:29
